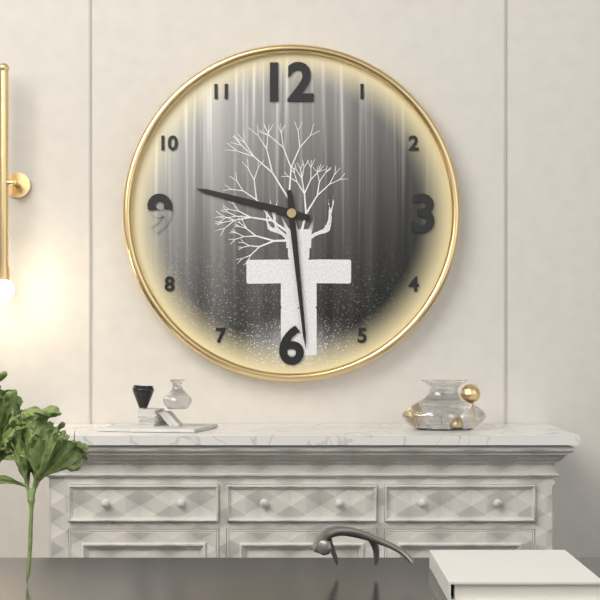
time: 9:29
